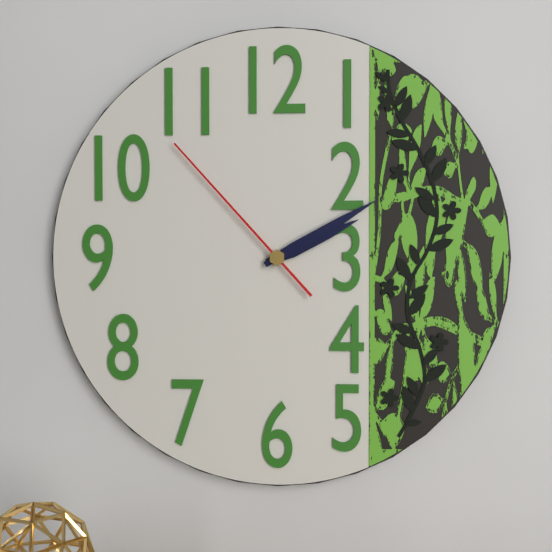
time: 2:10:53
